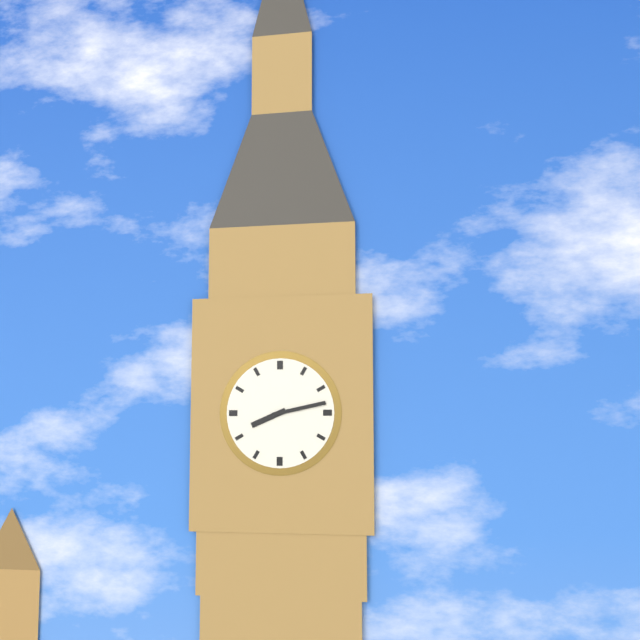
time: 8:13
